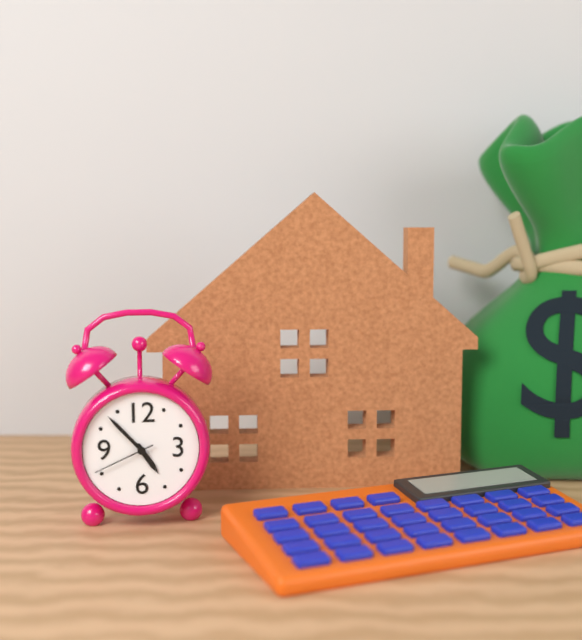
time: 4:53:41
